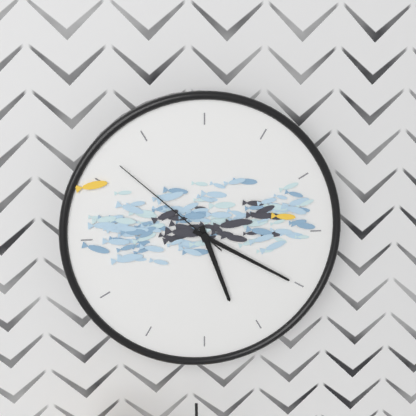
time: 5:20:52
